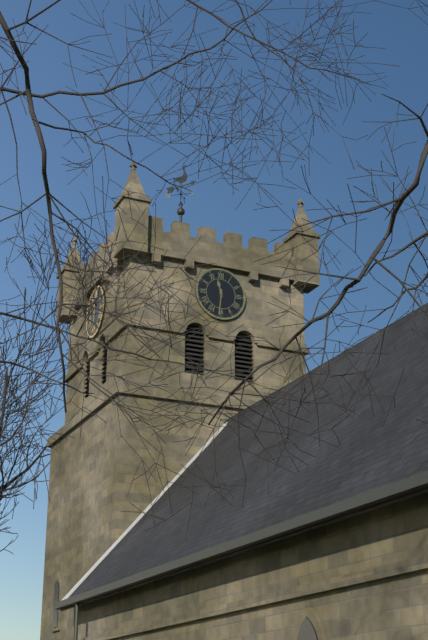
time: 11:31
